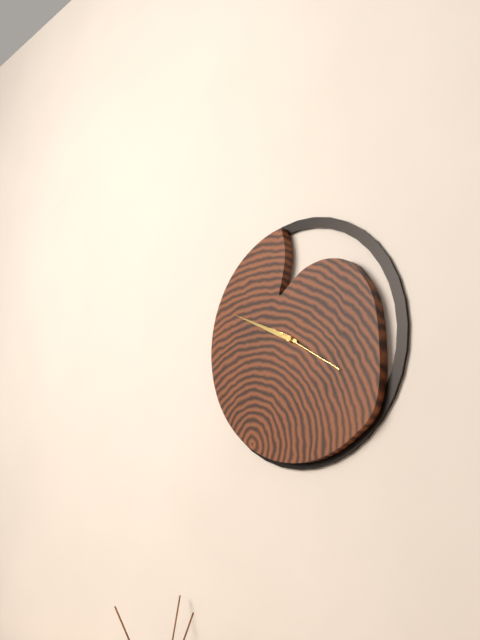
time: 9:49:20
